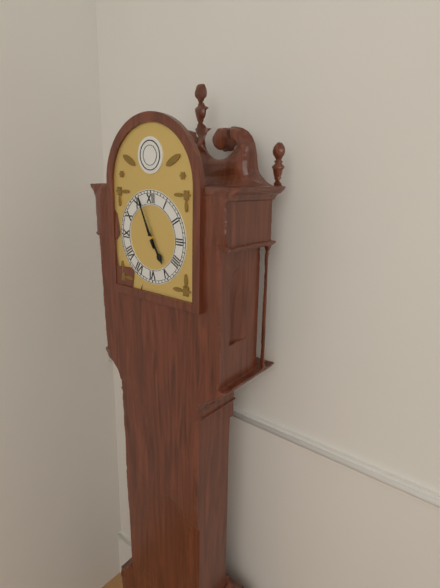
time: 4:56
